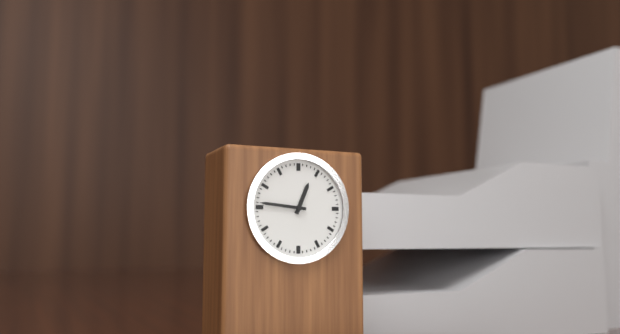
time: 12:46
